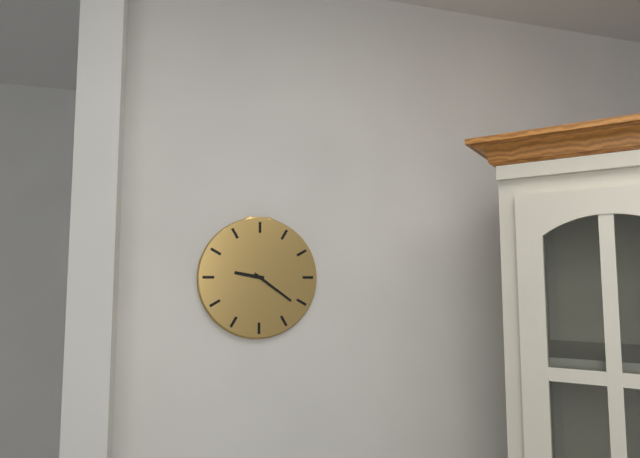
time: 9:21
